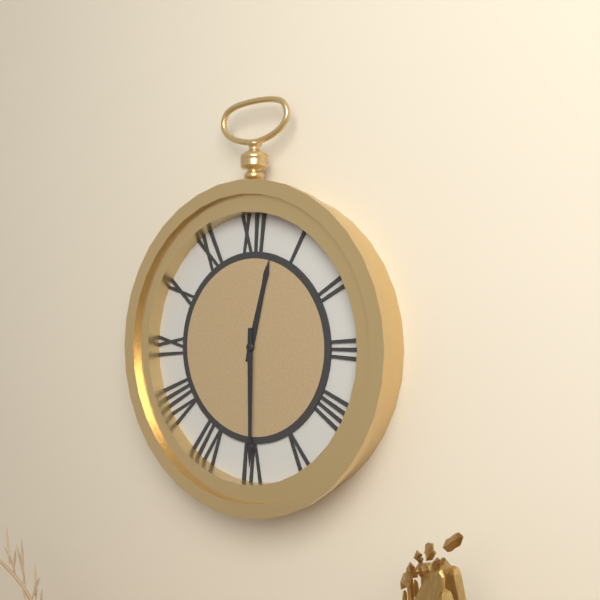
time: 12:30
